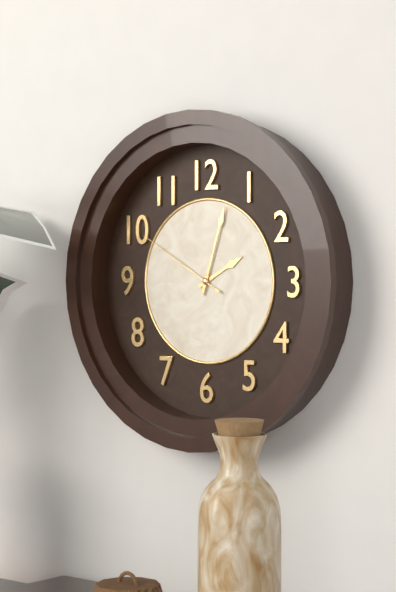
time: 2:03:50
